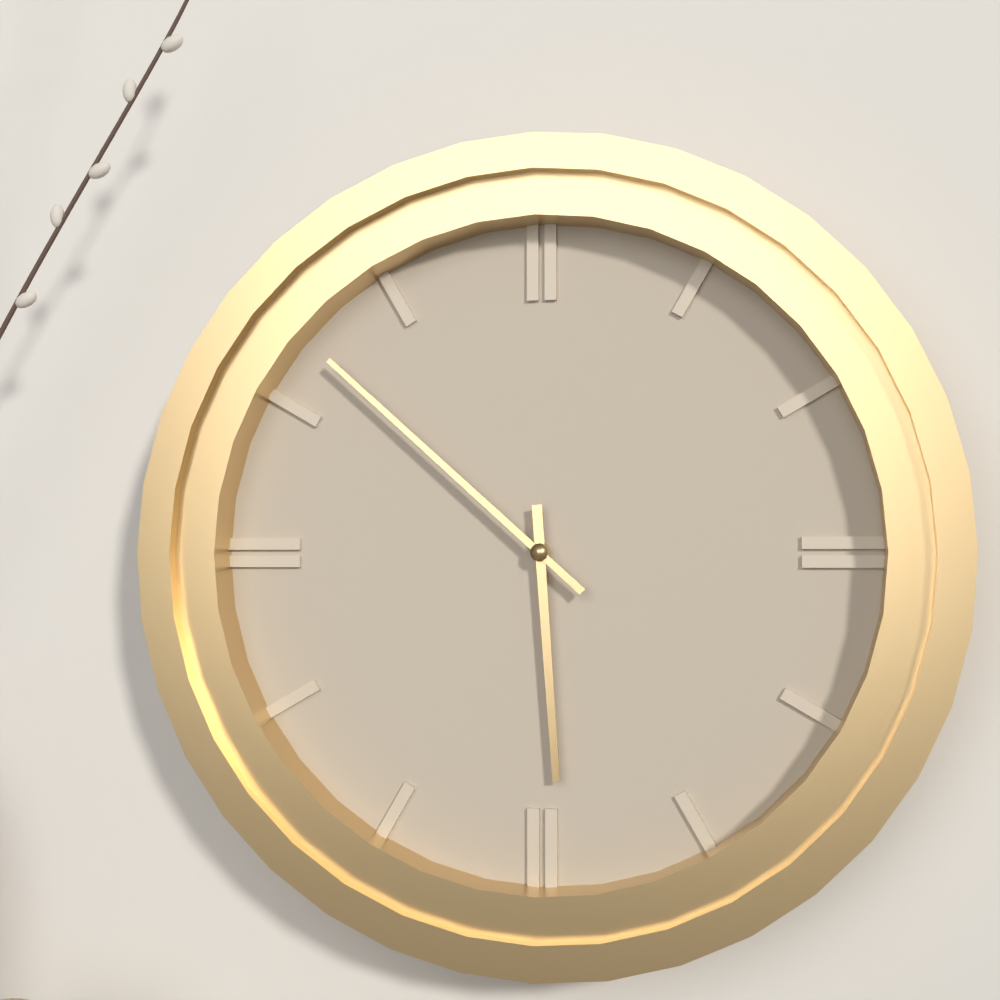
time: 5:52
